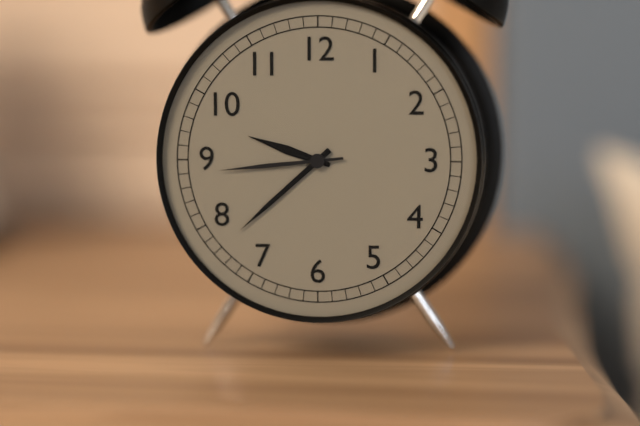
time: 9:38:44
